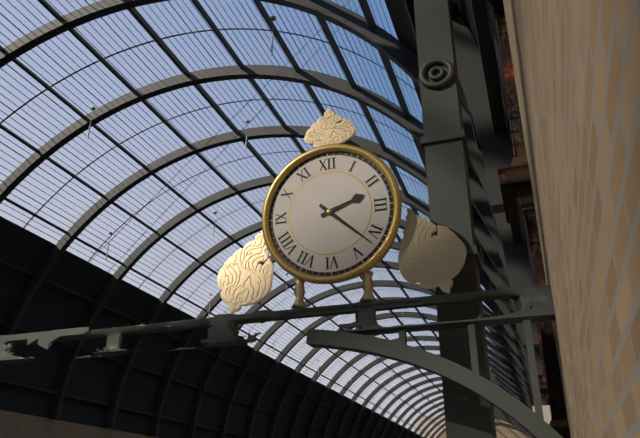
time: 2:22
